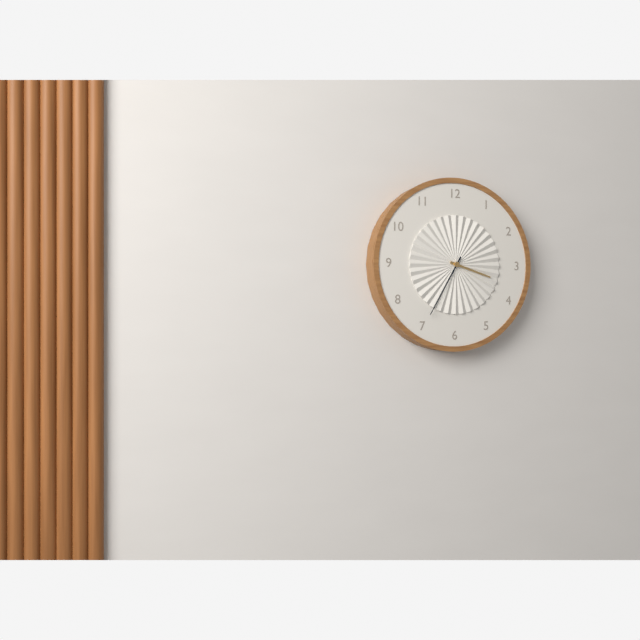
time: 3:35
